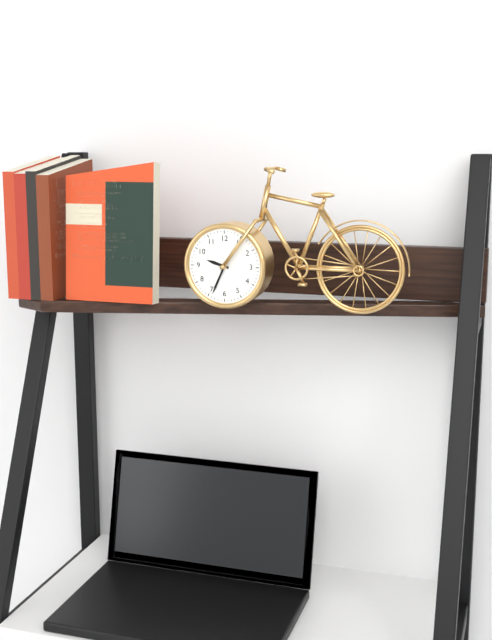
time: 9:34
